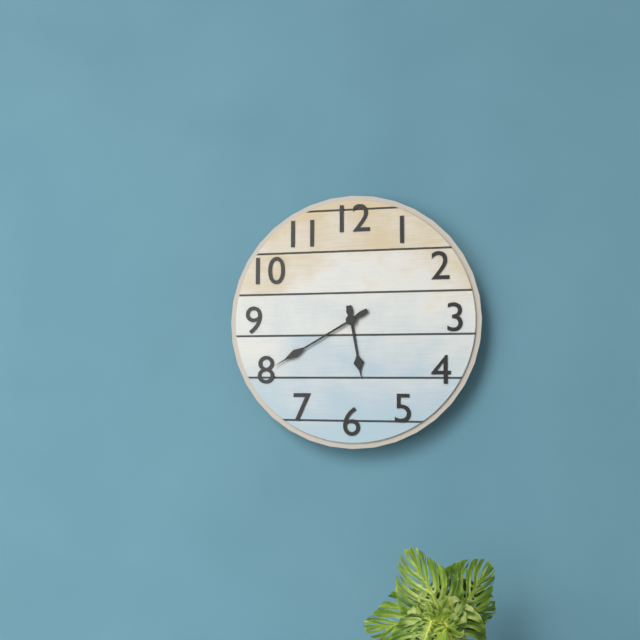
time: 5:40
